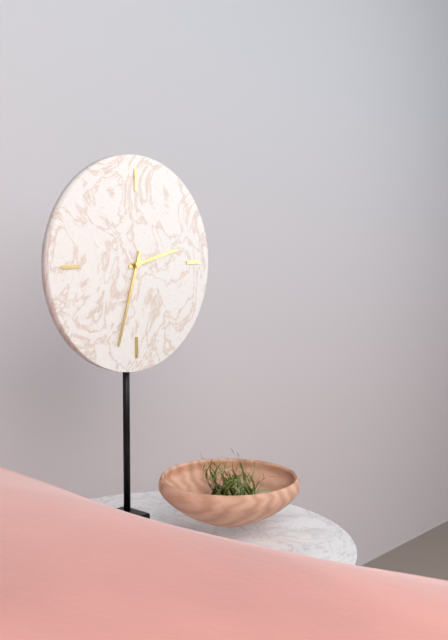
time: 2:33
